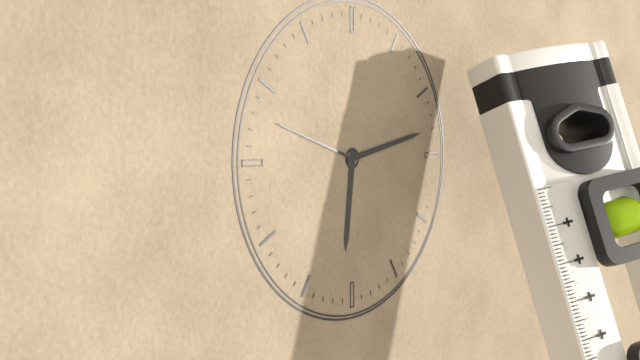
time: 6:13:48
